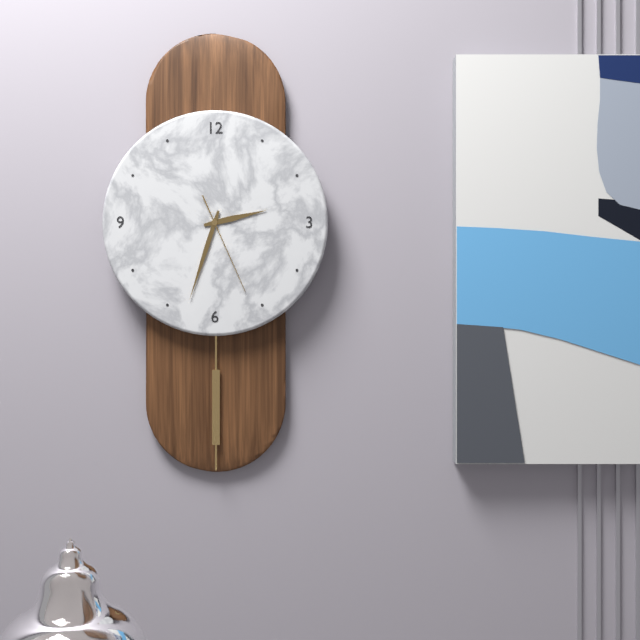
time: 2:33:26
